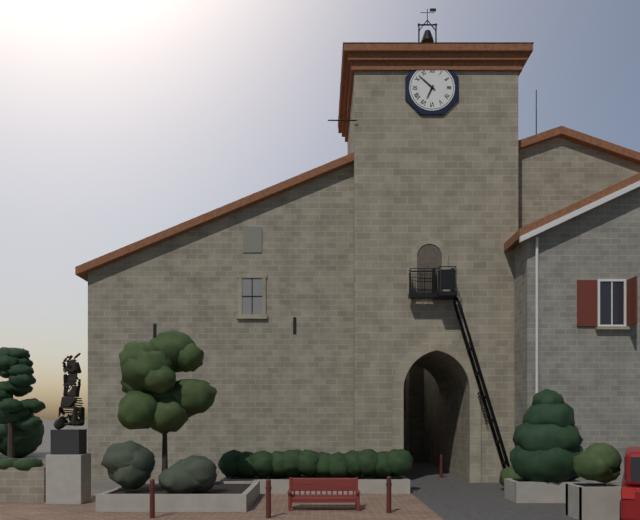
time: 6:52
